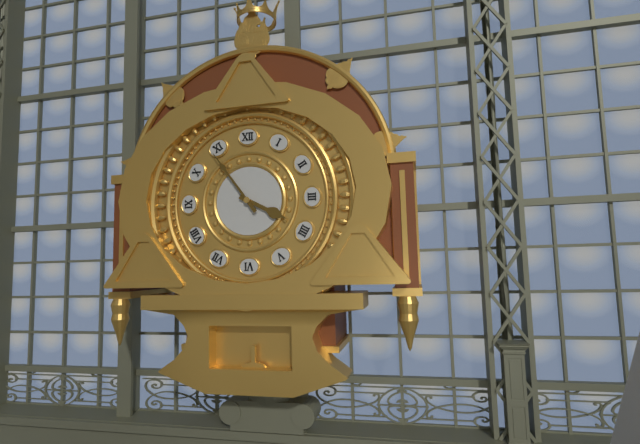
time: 3:54
